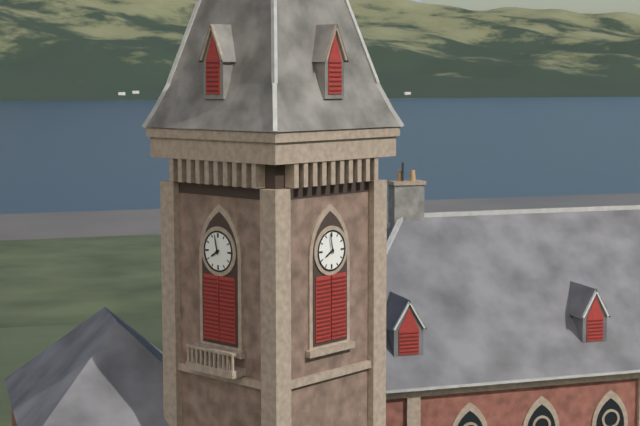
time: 7:58
